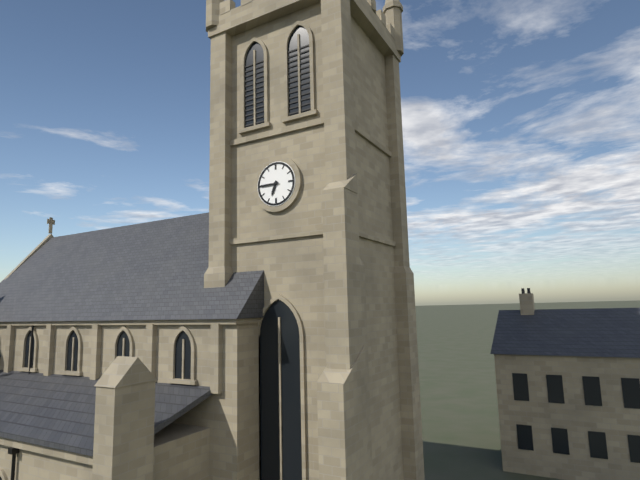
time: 6:45
